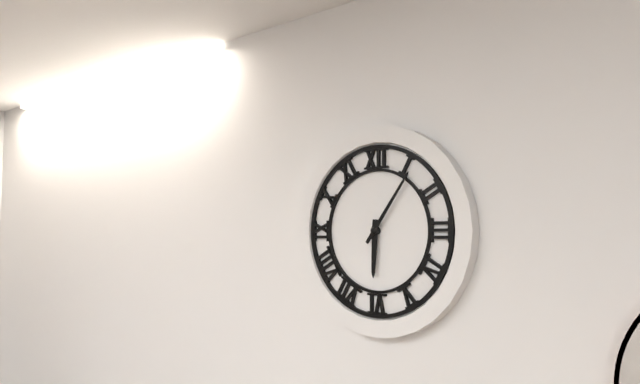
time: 6:06
